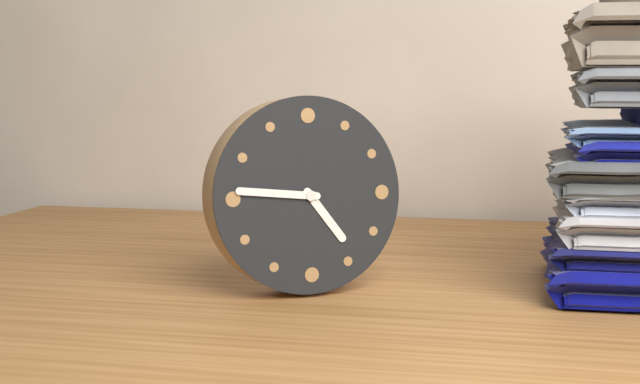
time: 4:46
